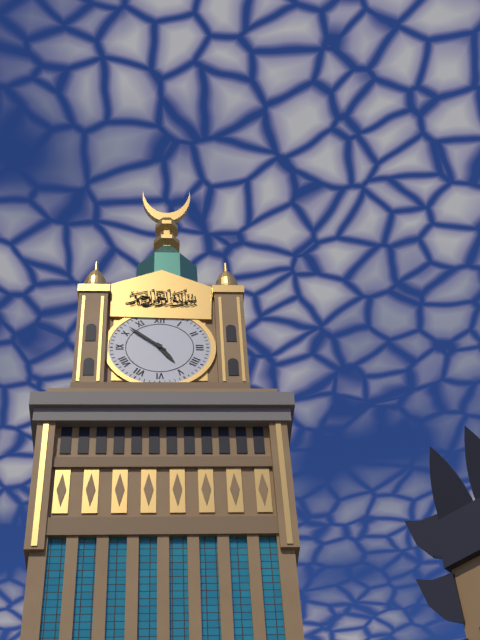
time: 4:52
